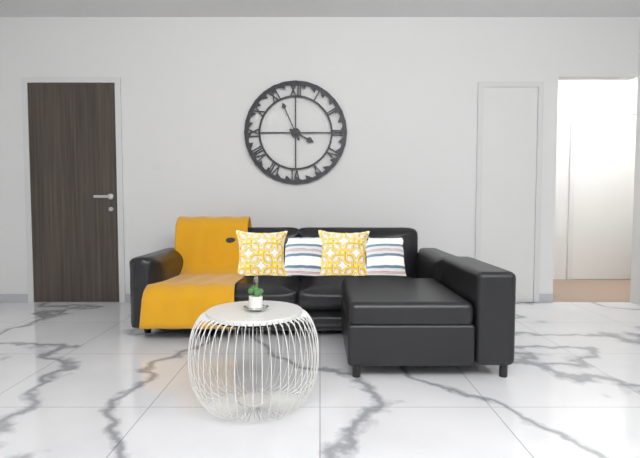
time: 3:56
